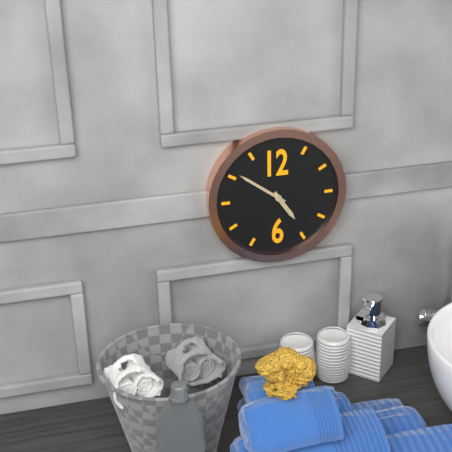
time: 4:51
